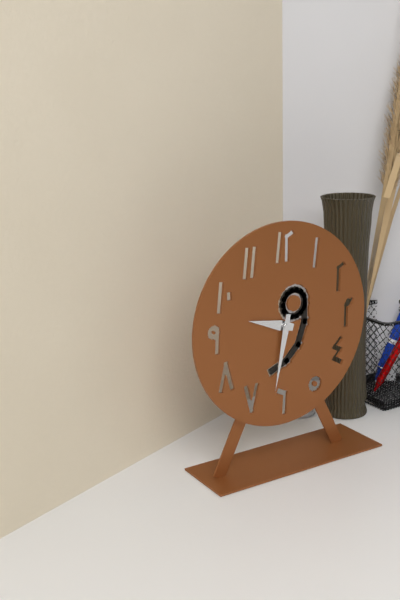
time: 9:32
